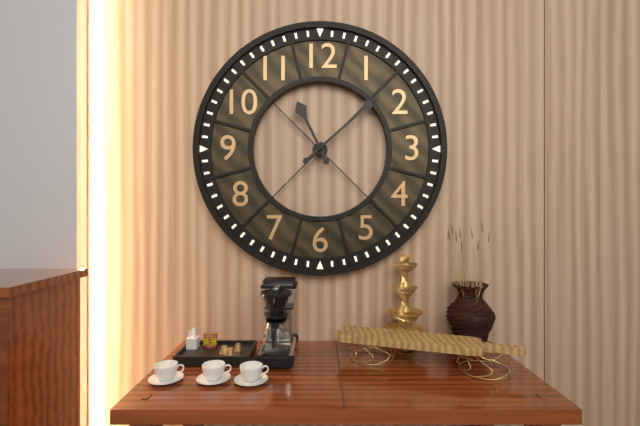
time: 11:08
